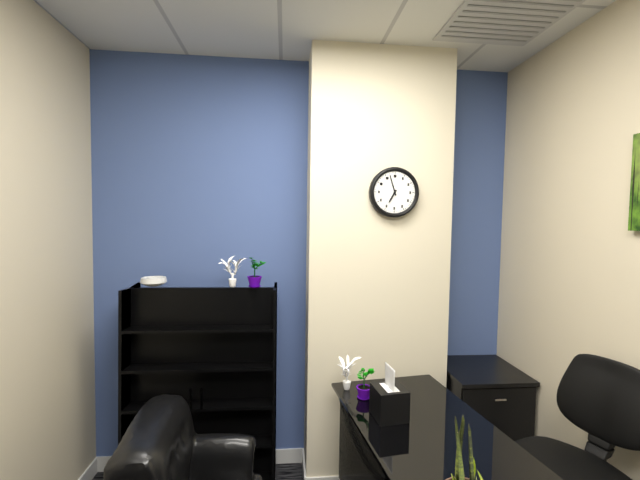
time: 6:57
